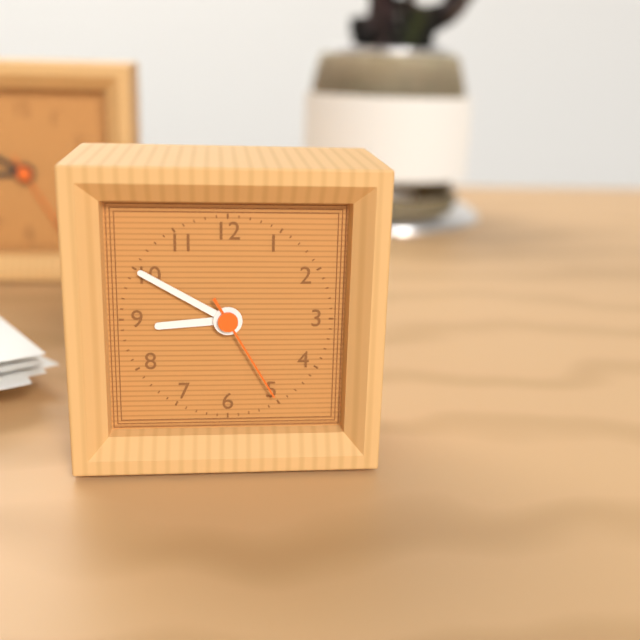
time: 8:50:25
